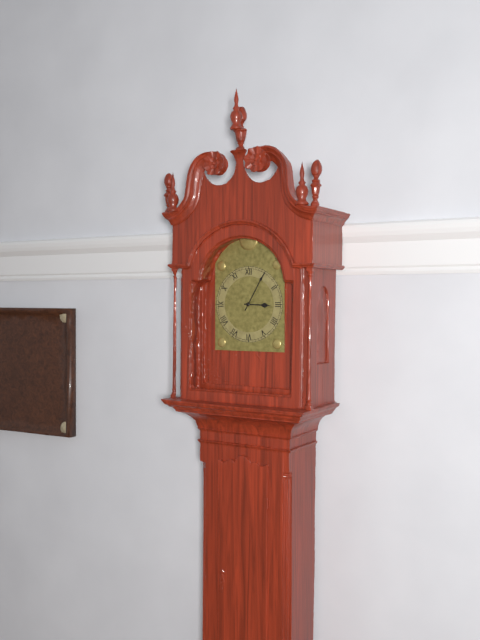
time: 3:05
